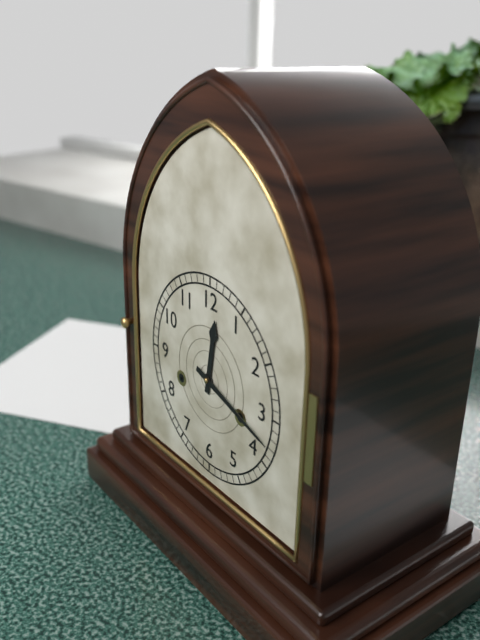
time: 12:18
